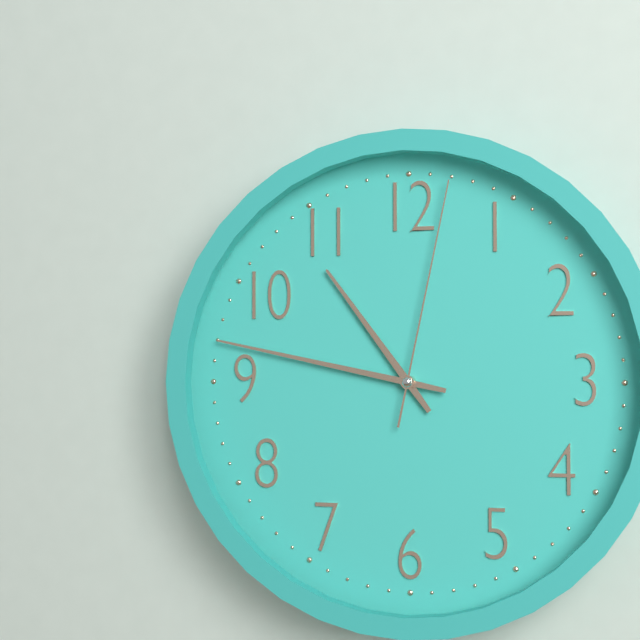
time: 10:47:02
